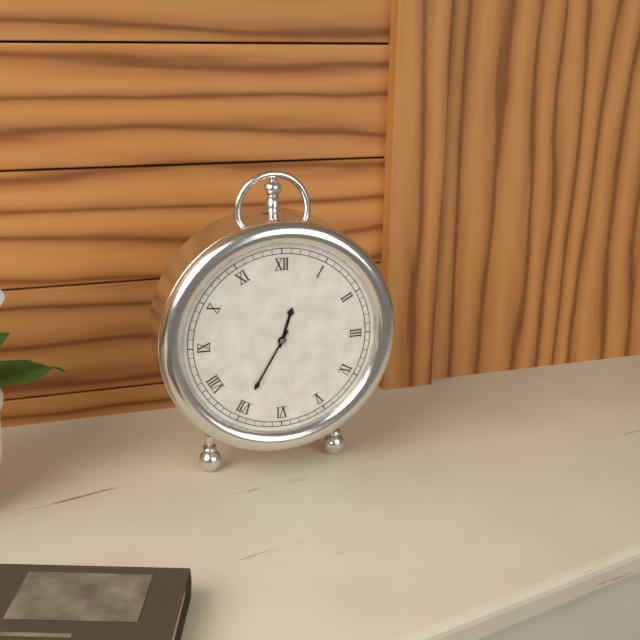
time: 12:35
